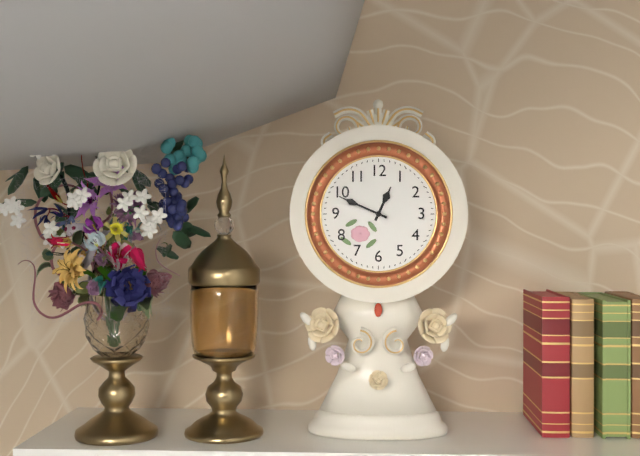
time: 12:49
